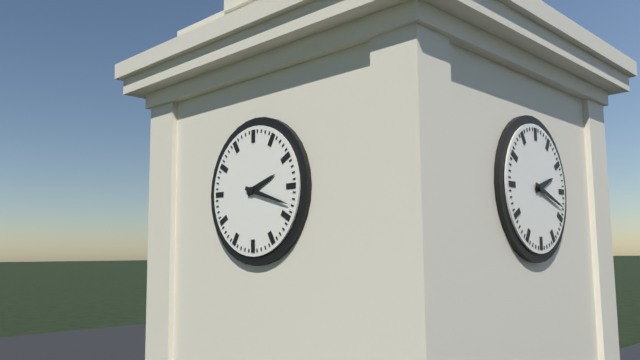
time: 2:18
